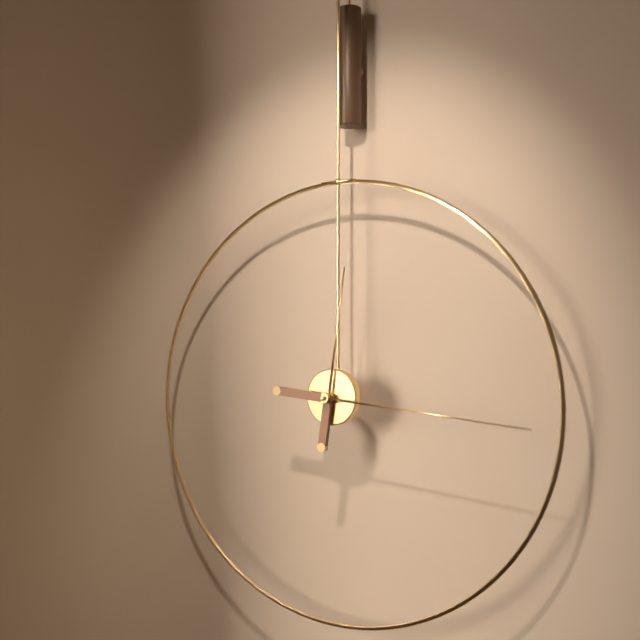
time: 12:16
